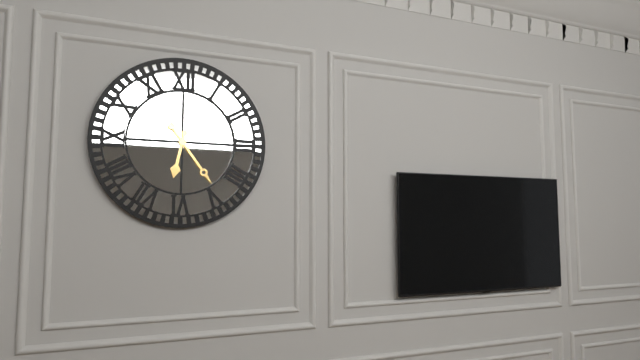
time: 6:24
